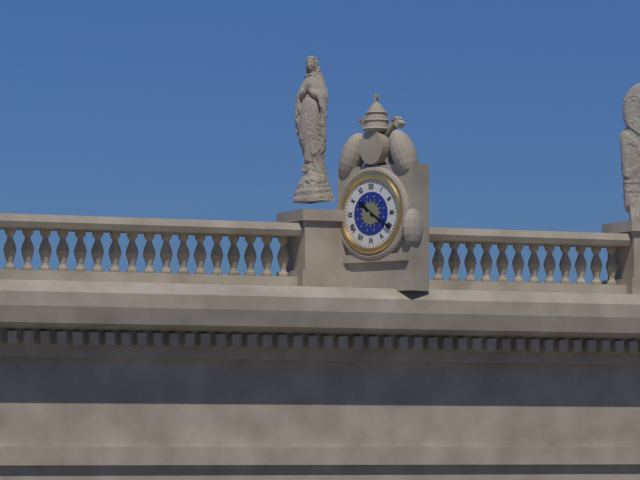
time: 10:20
